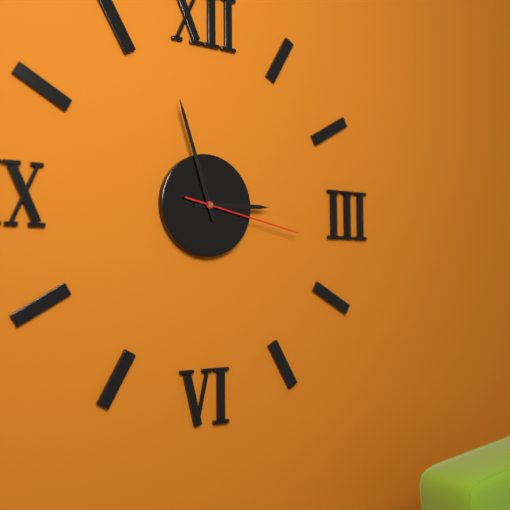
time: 2:57:17
